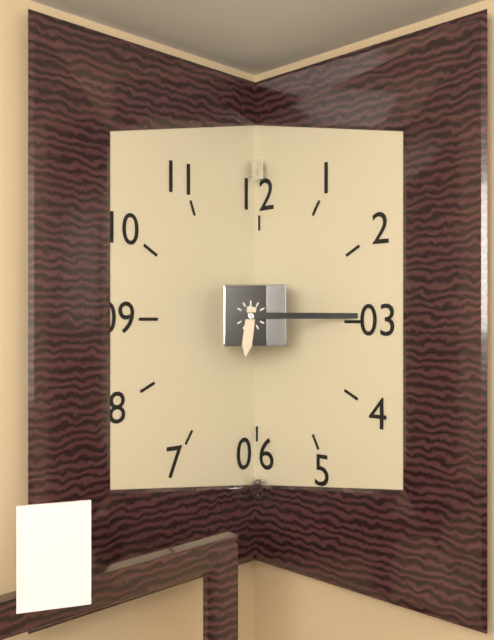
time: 6:15
